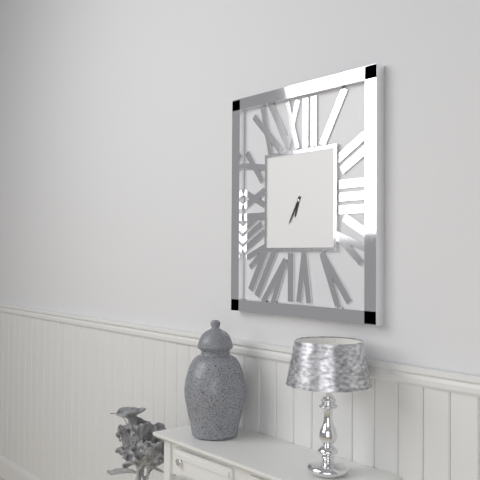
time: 6:35
